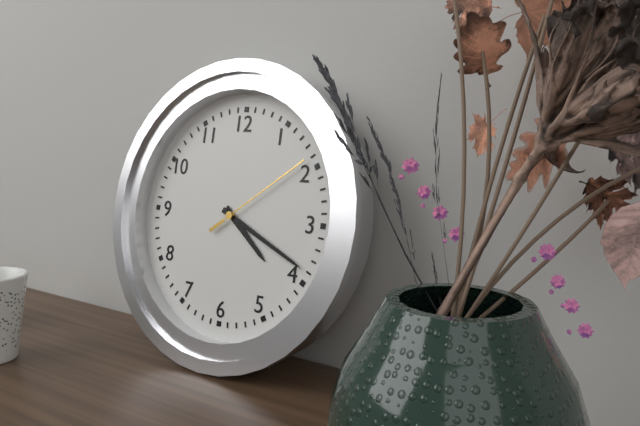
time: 4:19:09
